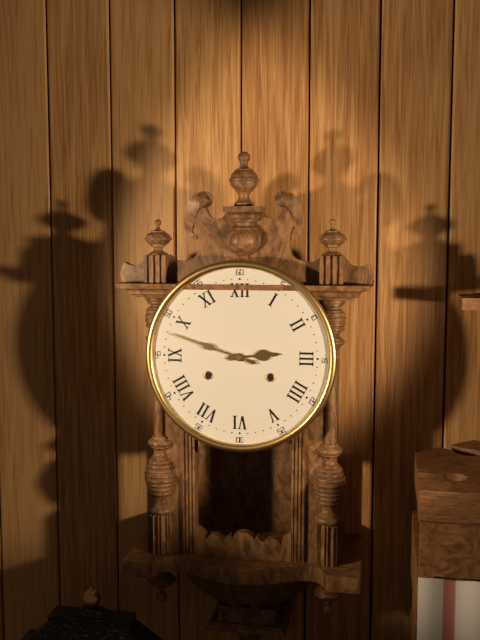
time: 2:48
